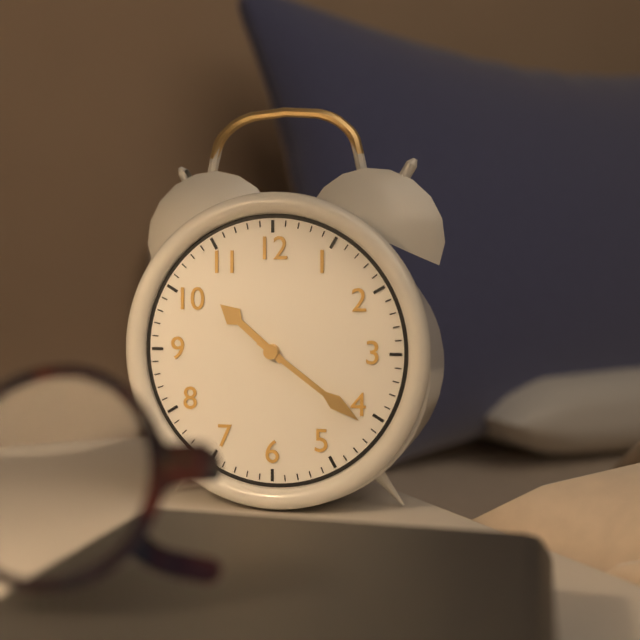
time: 10:21
